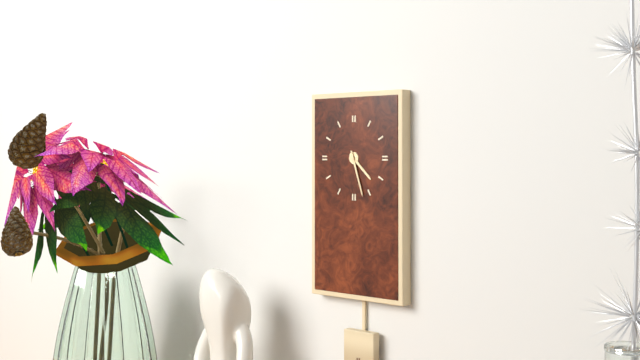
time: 4:27
